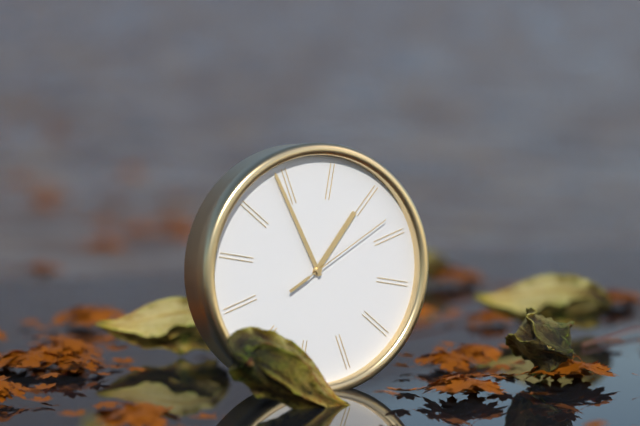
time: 12:54:08
